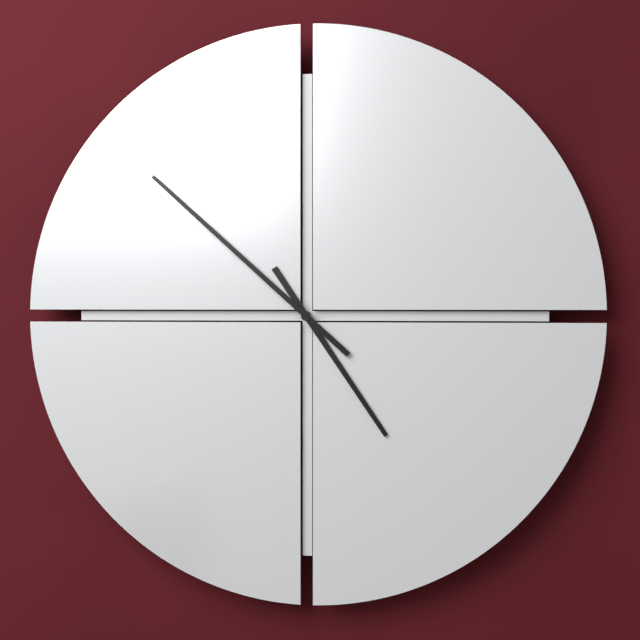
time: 4:52
